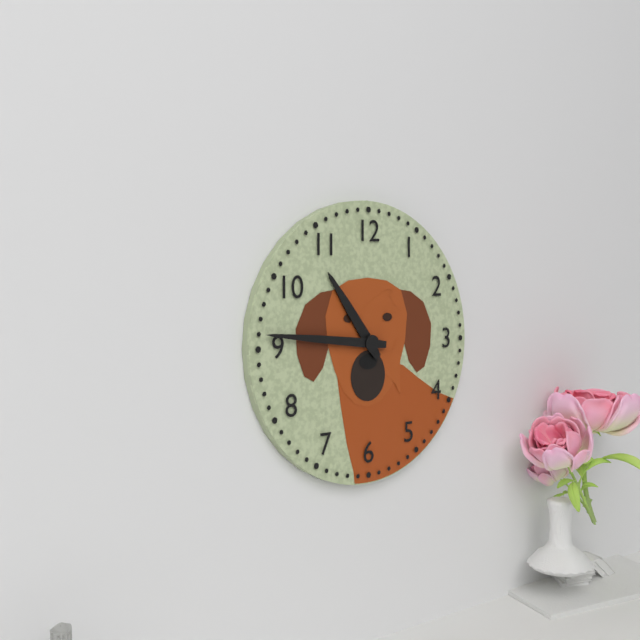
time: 10:46
